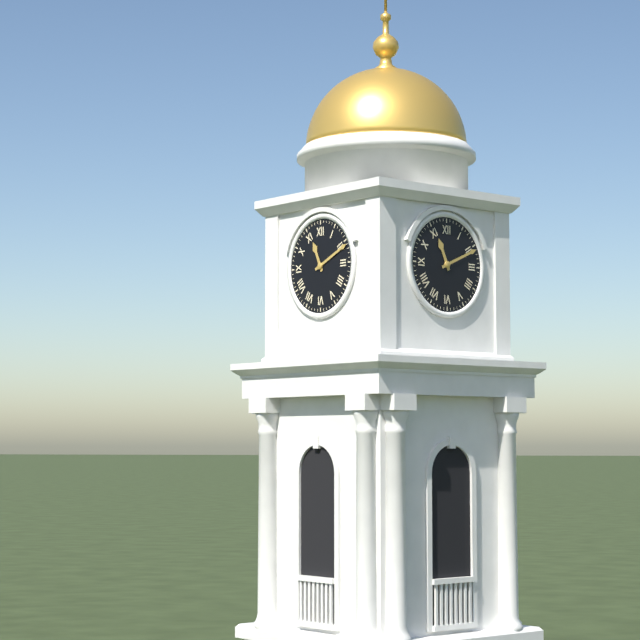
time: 11:11
